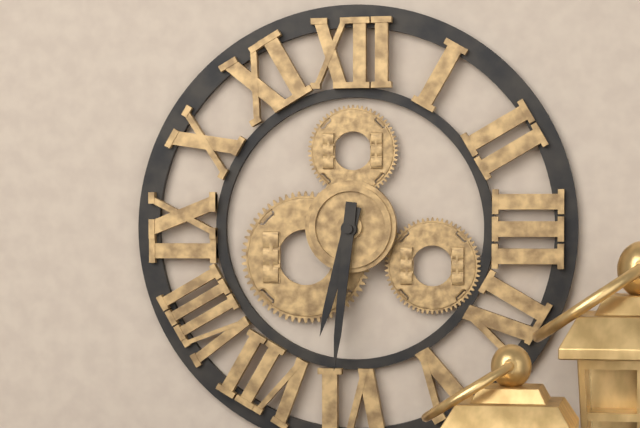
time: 6:31
